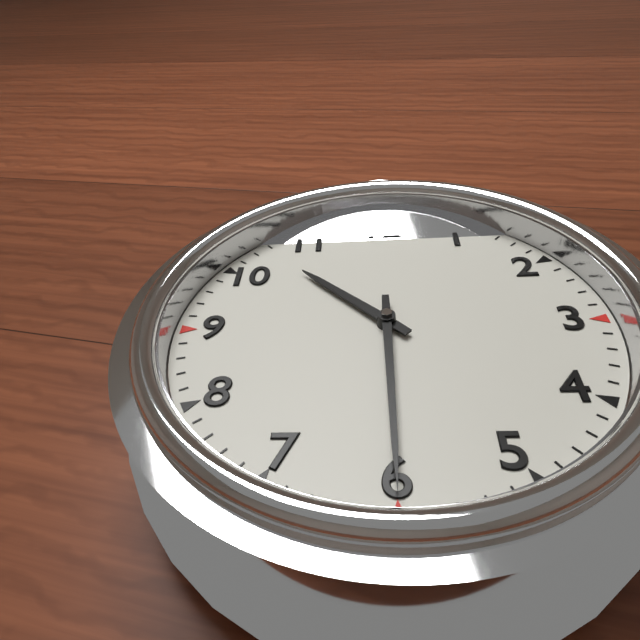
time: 10:30
